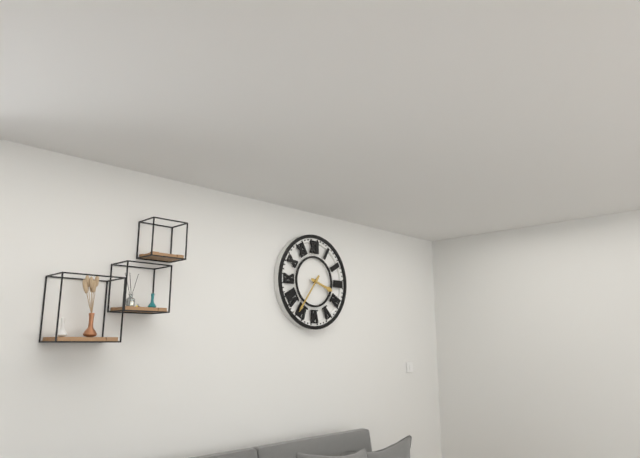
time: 3:36
